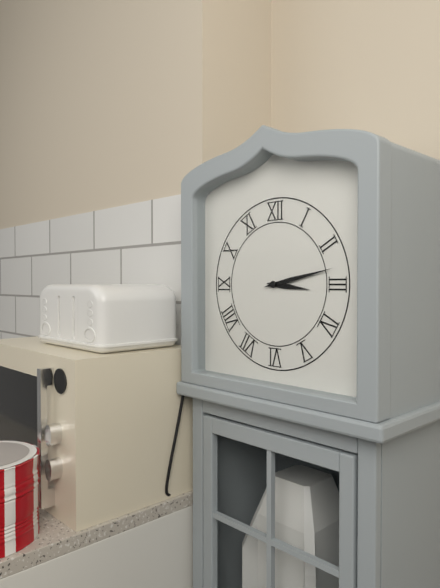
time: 3:13
